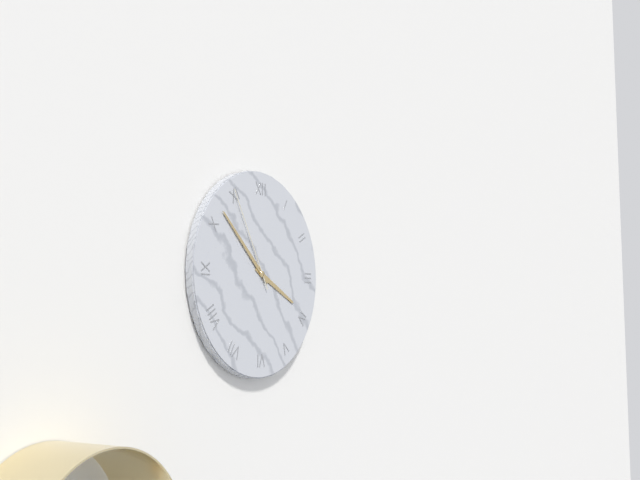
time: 3:52:55
